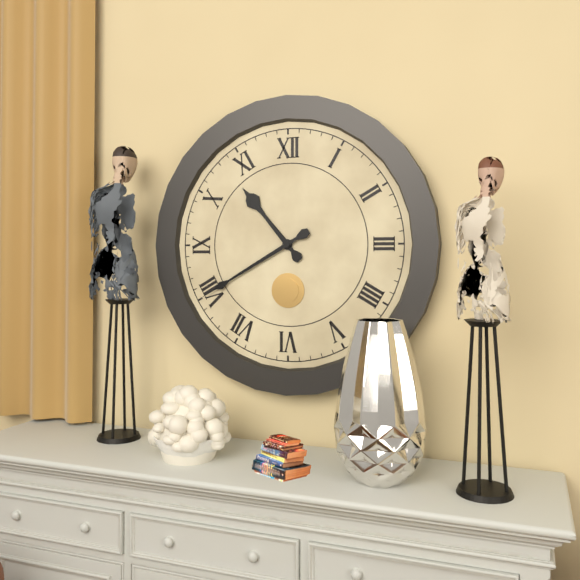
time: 10:40
